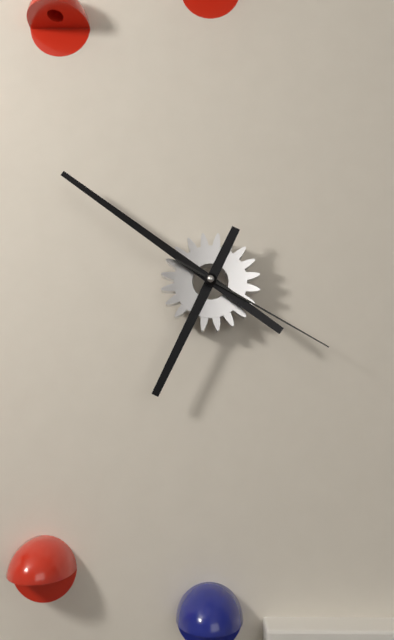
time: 6:51:20
